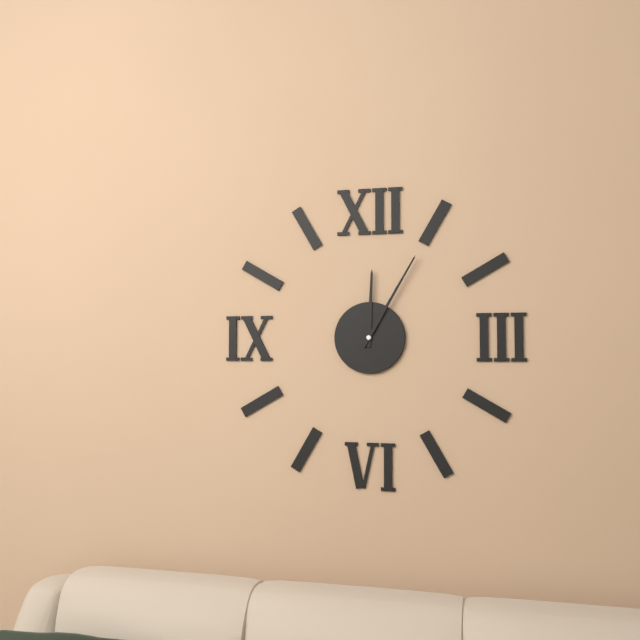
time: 12:05
